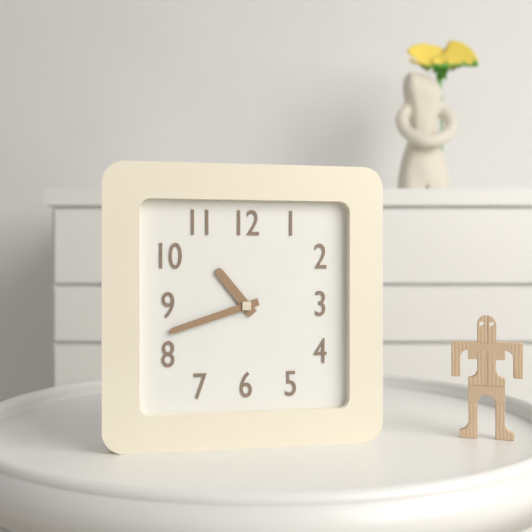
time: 10:42
